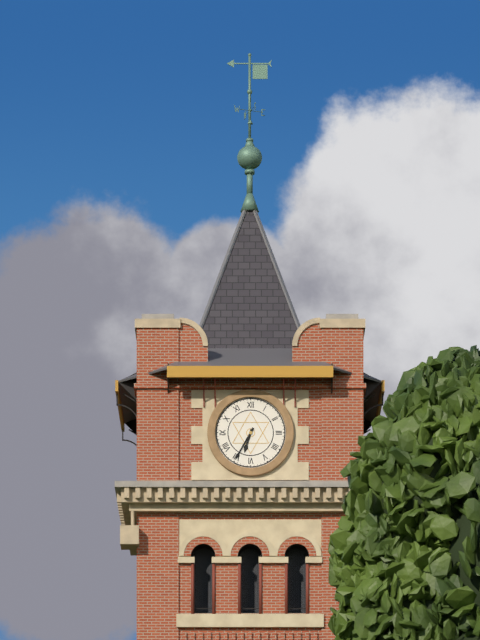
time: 6:35
